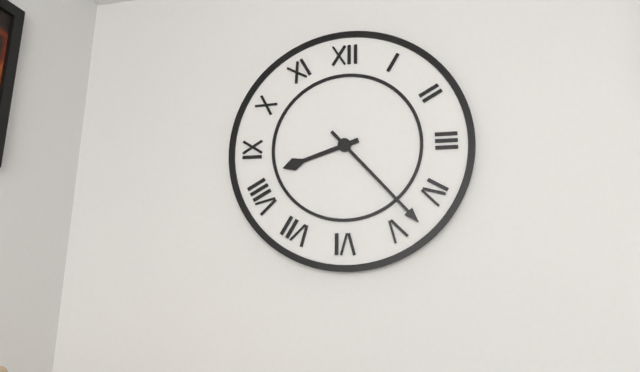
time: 8:23
